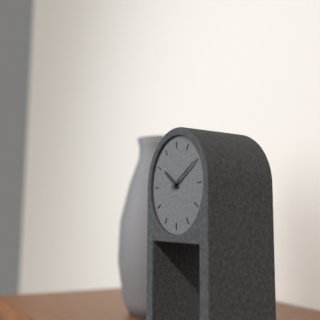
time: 10:10
